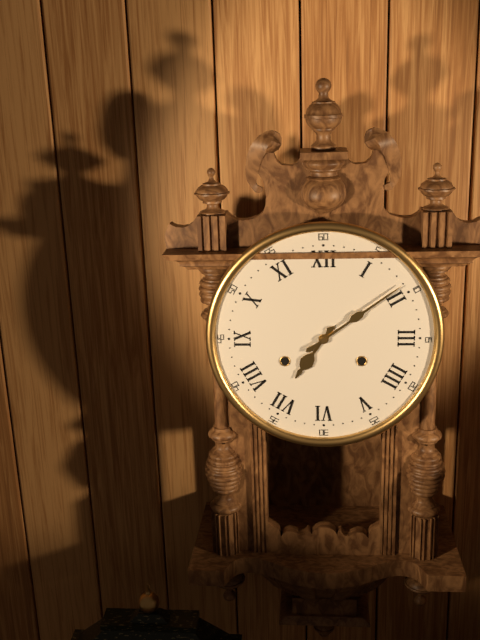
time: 7:09
